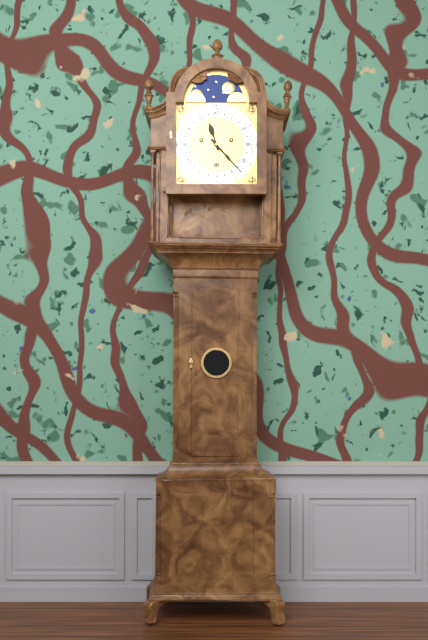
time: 11:23
